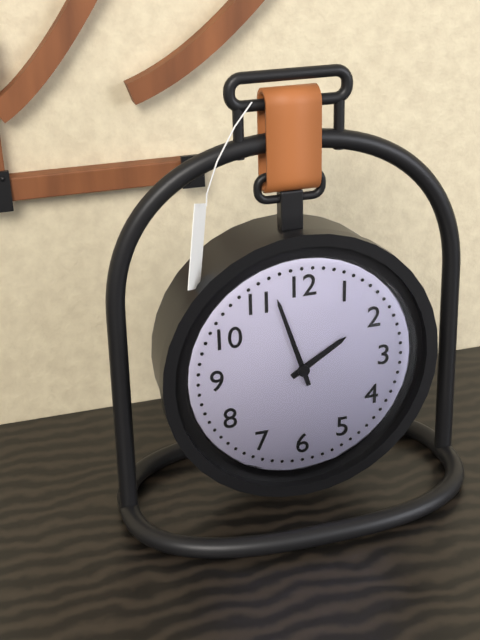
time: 1:57
